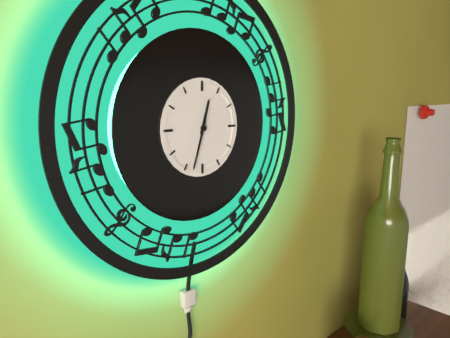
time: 12:33
